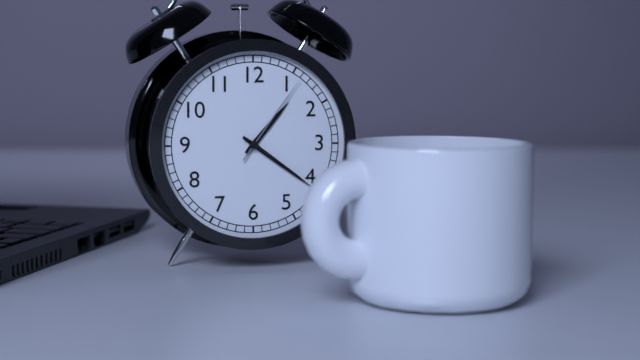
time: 1:21:06
